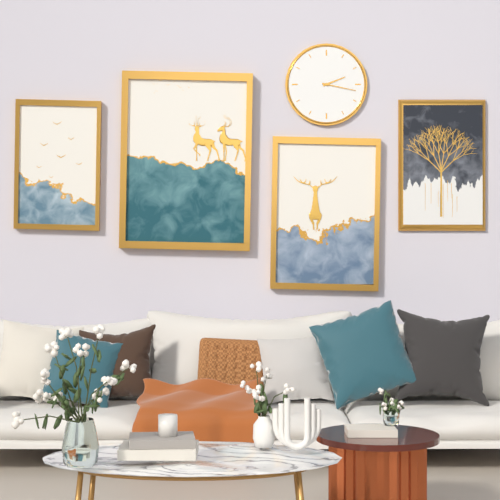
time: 2:17
